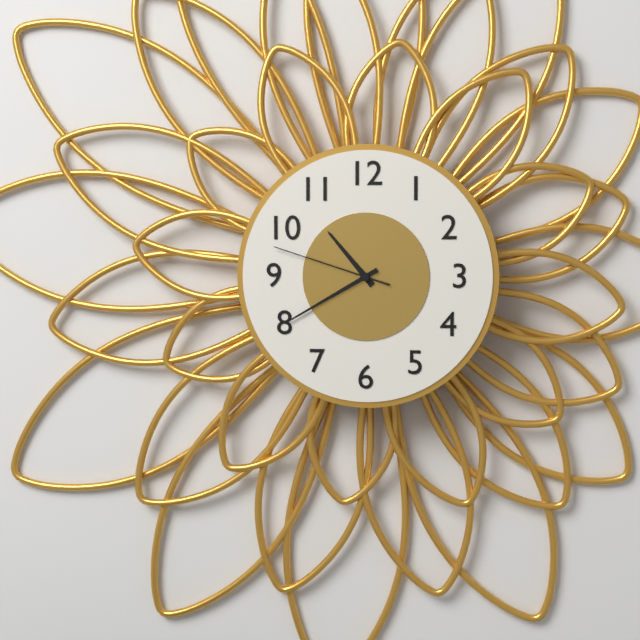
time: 10:40:48
